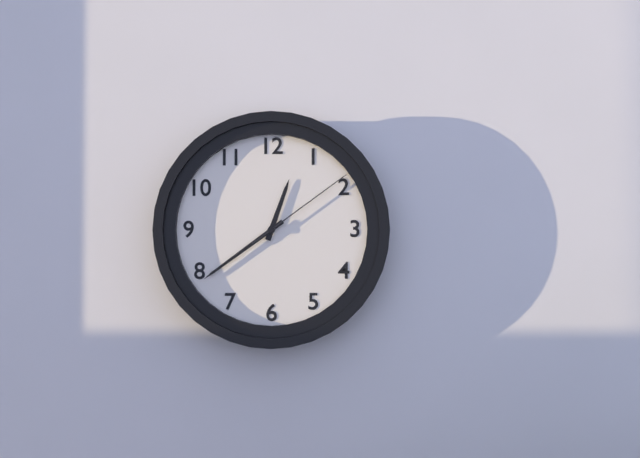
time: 12:39:09
